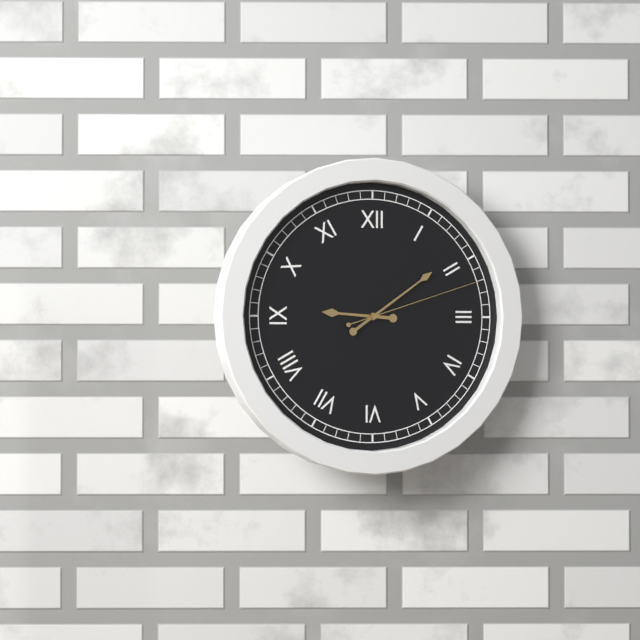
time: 9:09:12
